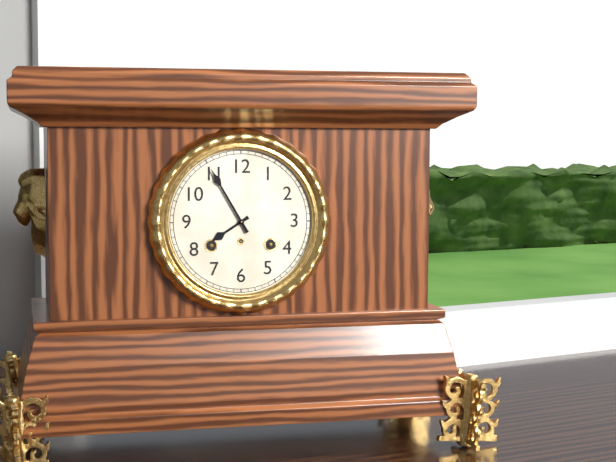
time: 7:55
